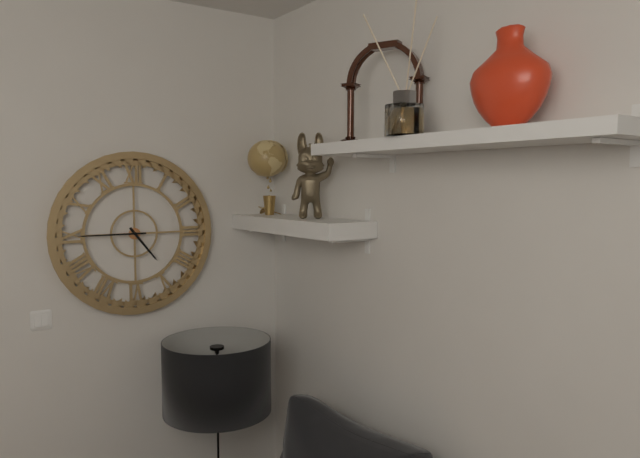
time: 4:45
